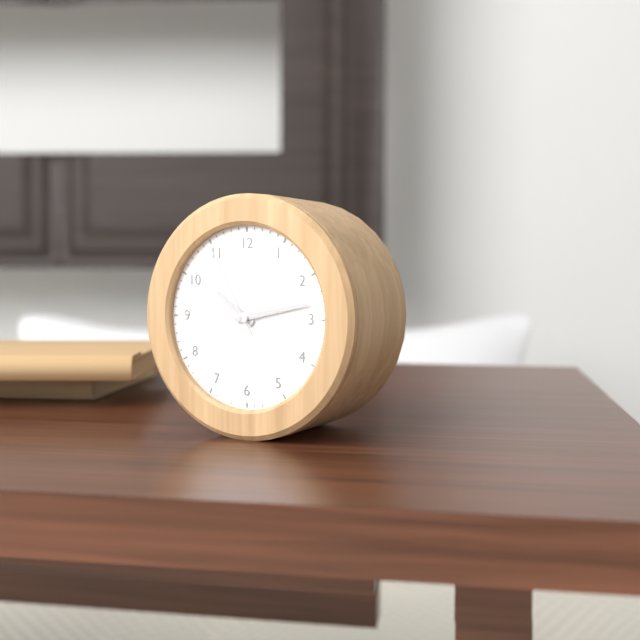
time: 10:13:55
